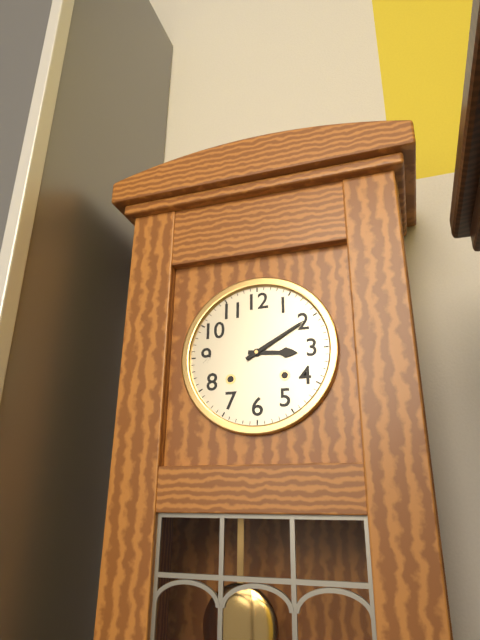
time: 3:10
